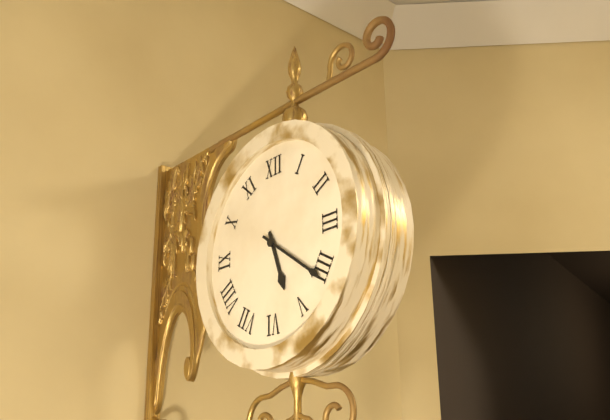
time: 5:21
